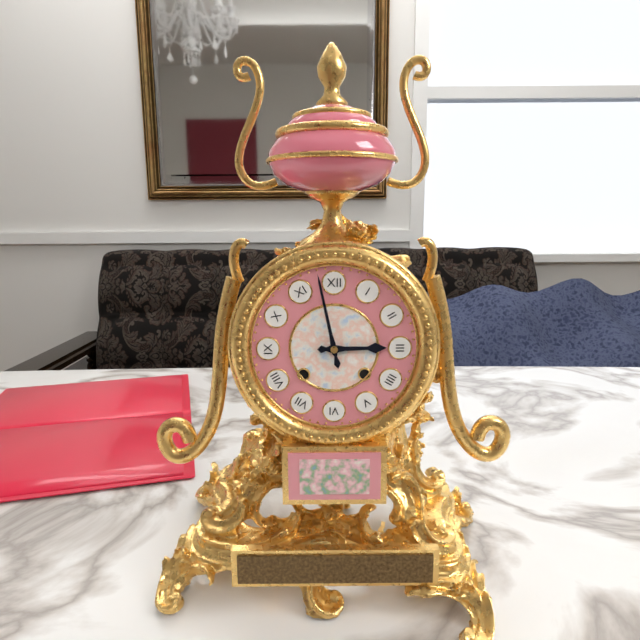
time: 2:58
